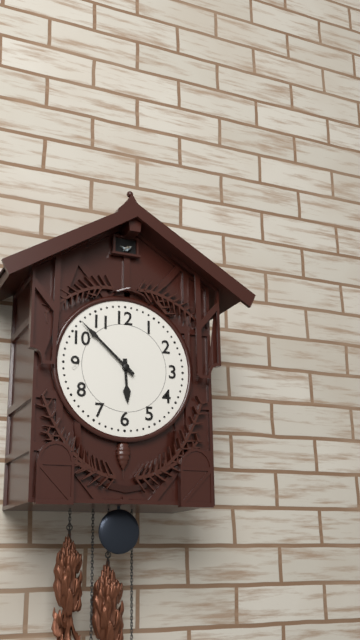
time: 5:52
